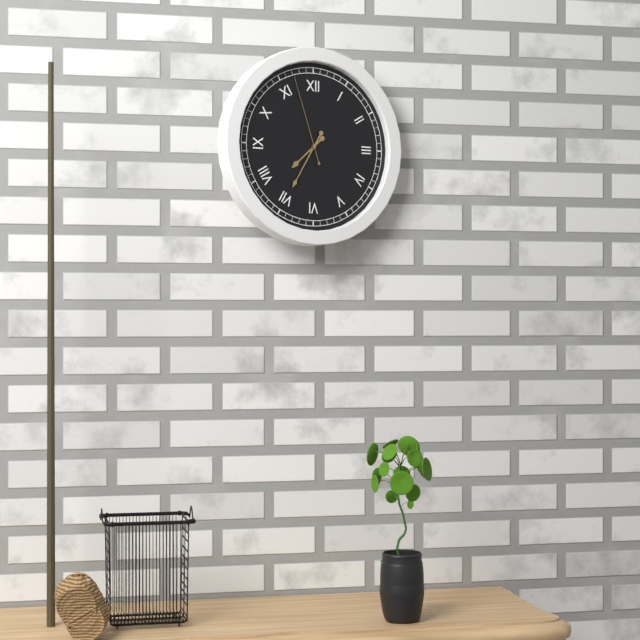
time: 7:35:57
